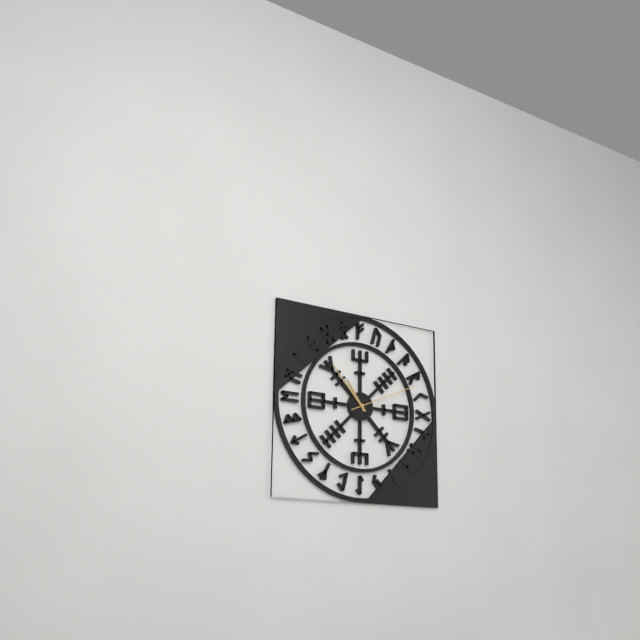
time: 10:53:11
